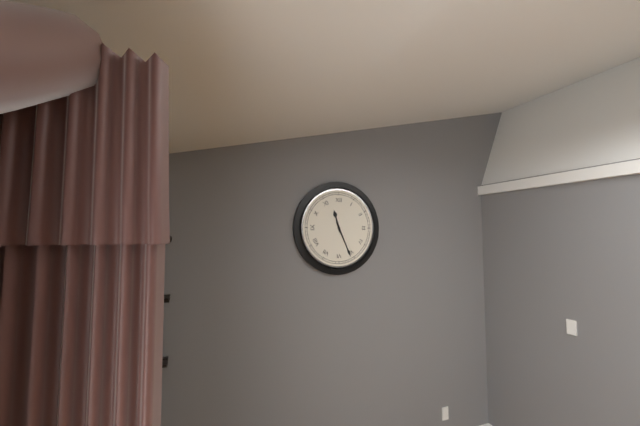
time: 11:26
